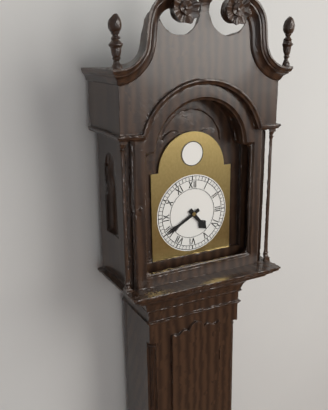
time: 4:40
